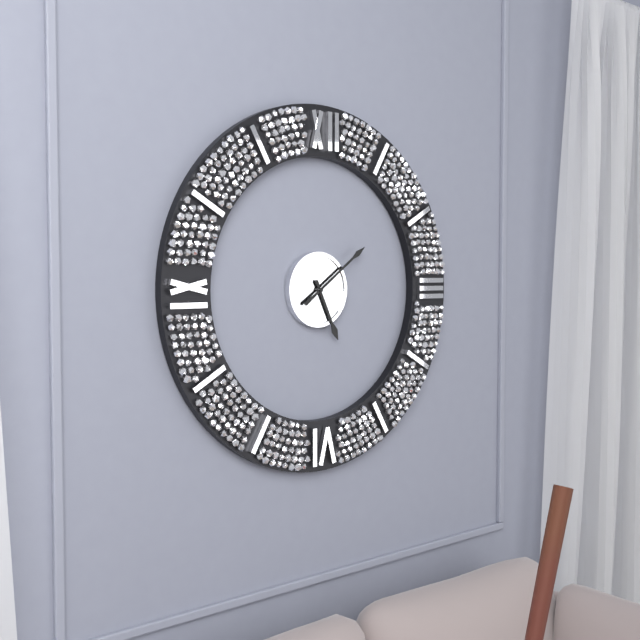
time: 5:09
